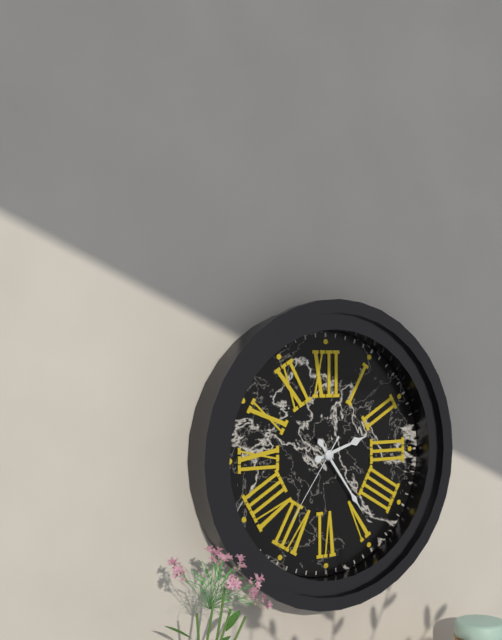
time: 2:24:36
